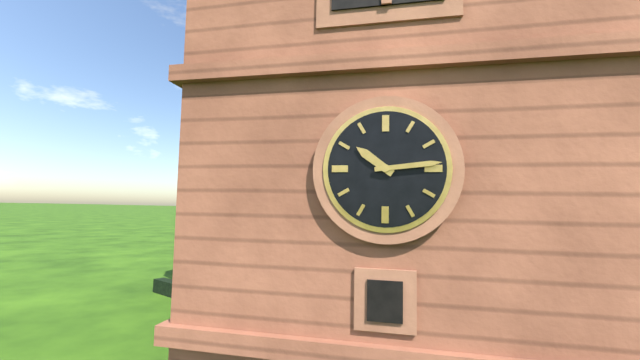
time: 10:14
